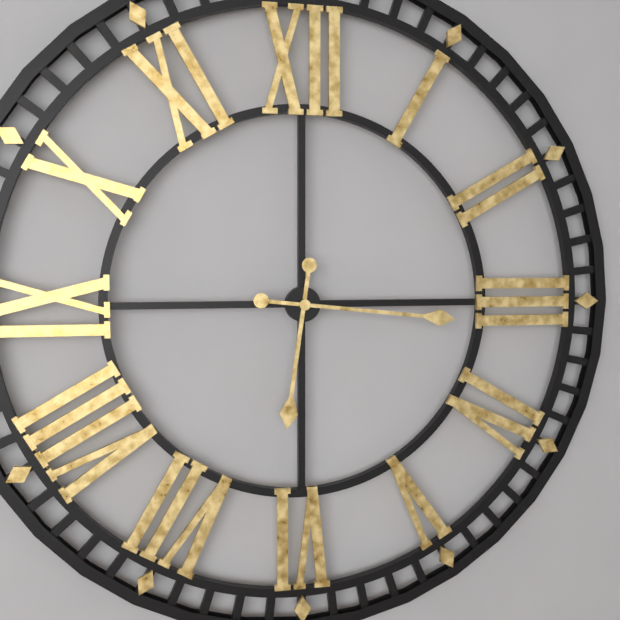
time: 6:16
